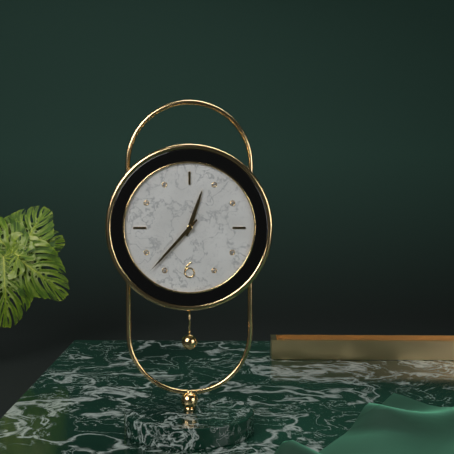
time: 12:37
